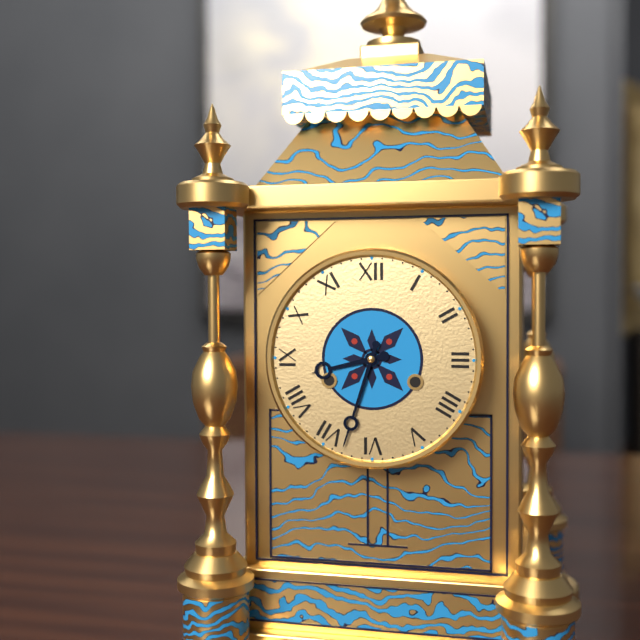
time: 8:33
